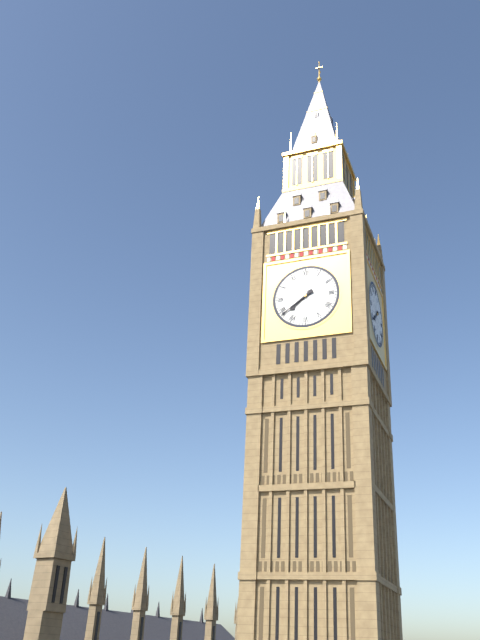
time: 7:39
